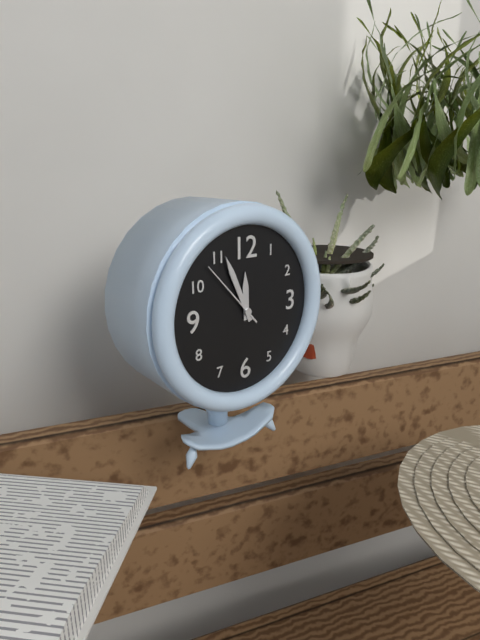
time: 11:56:53
